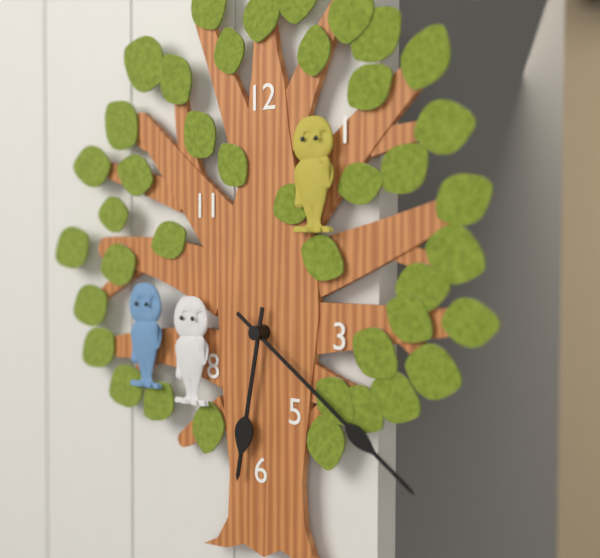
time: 6:21
